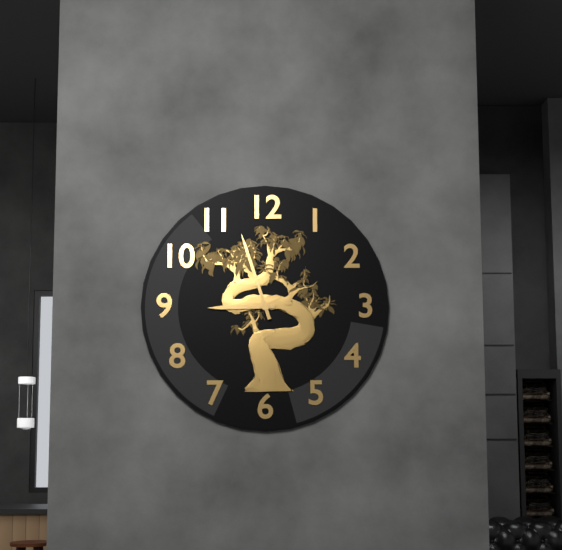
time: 8:57
